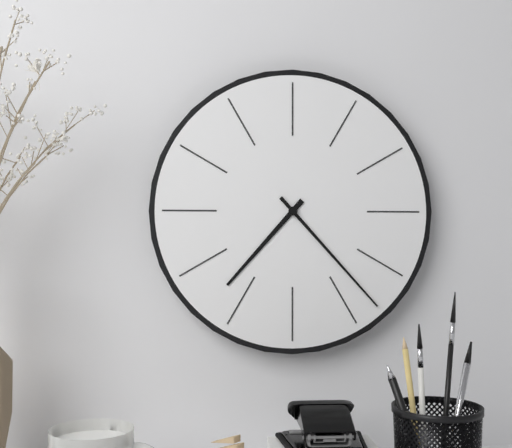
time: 7:23
